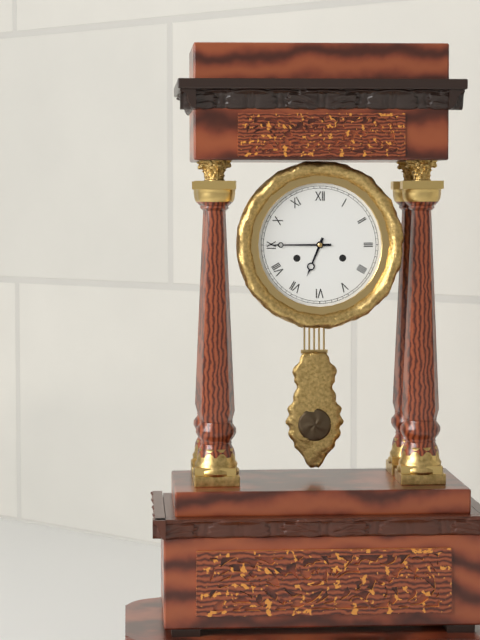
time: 6:45
